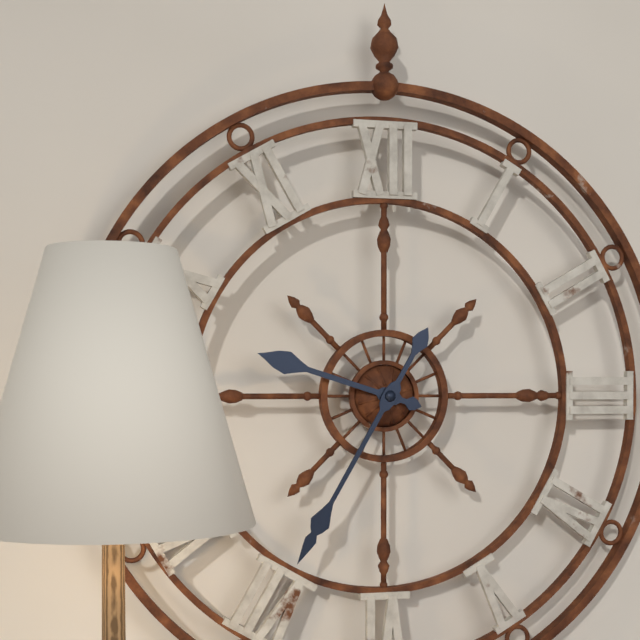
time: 9:35
